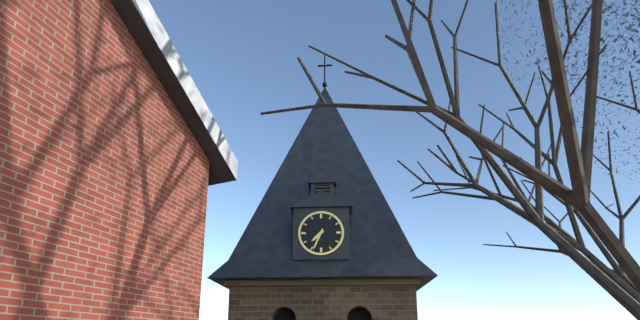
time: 7:34
